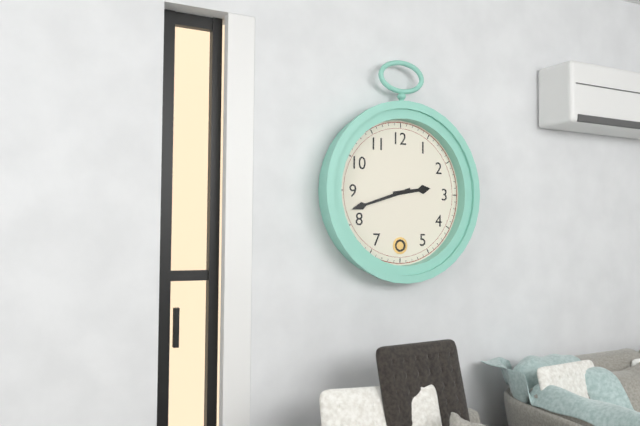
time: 2:42
